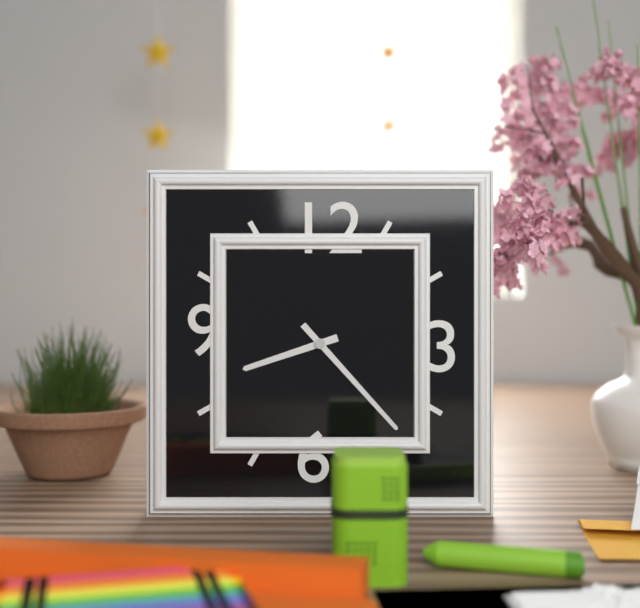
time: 8:23
